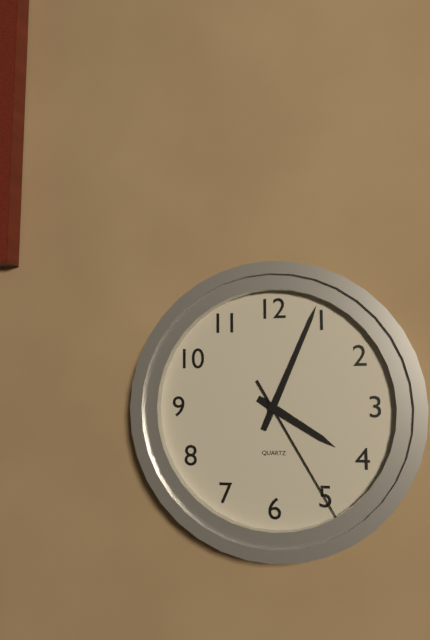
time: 4:04:25
